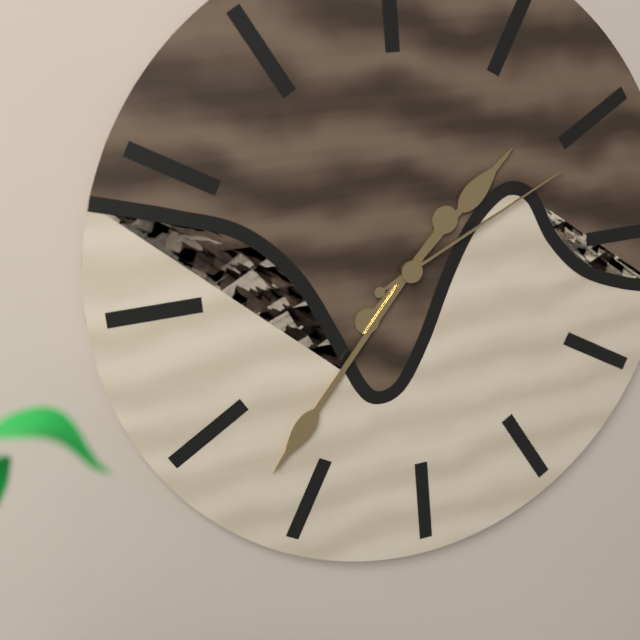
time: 1:37:11
